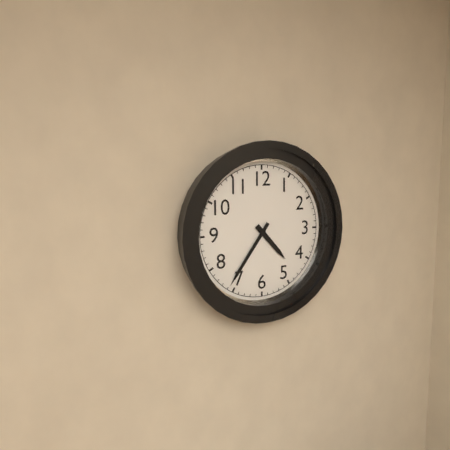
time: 4:36
